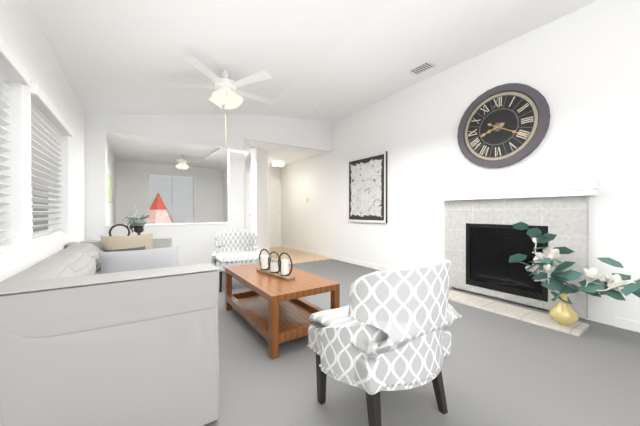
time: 8:20
